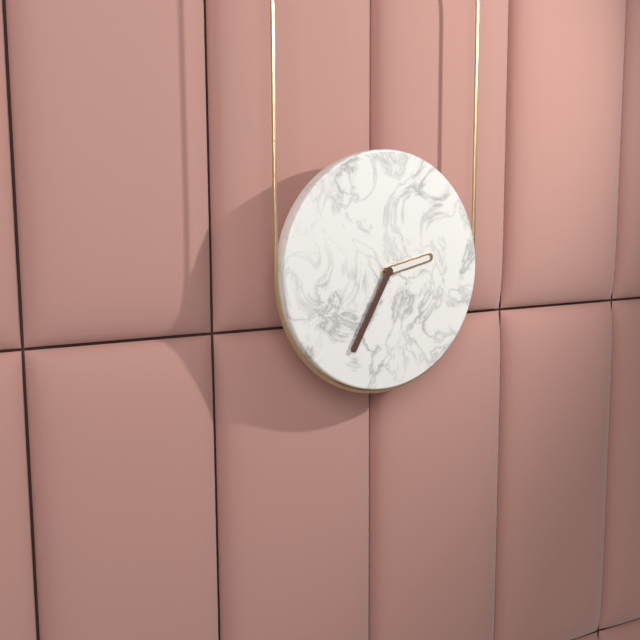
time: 2:35
